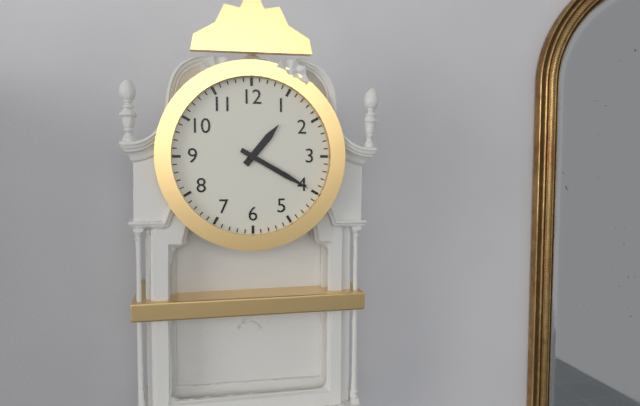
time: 1:20
